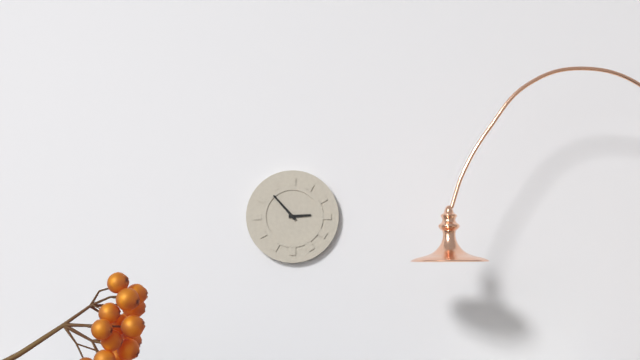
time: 2:53
